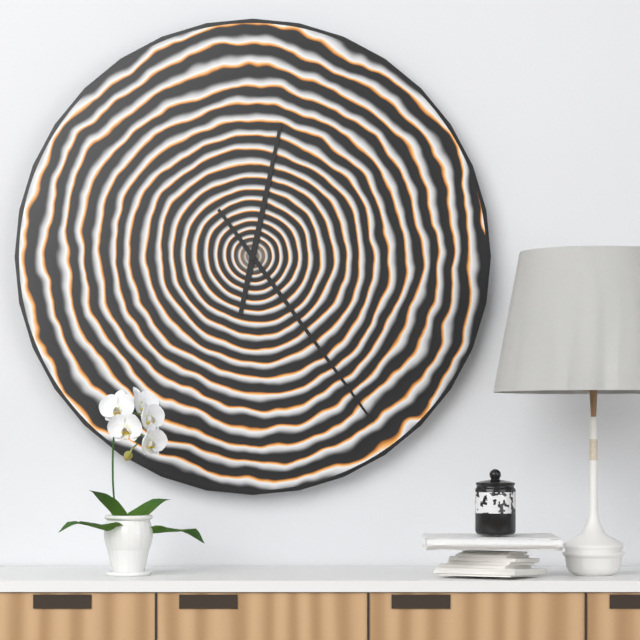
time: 12:24
